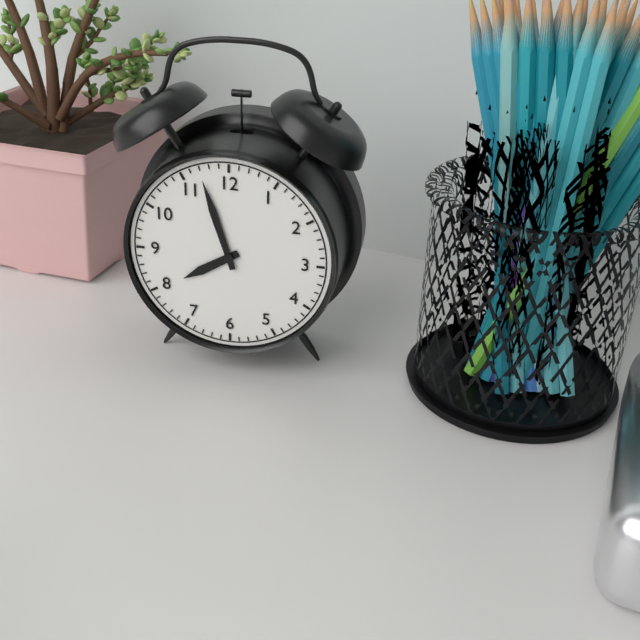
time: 7:57
